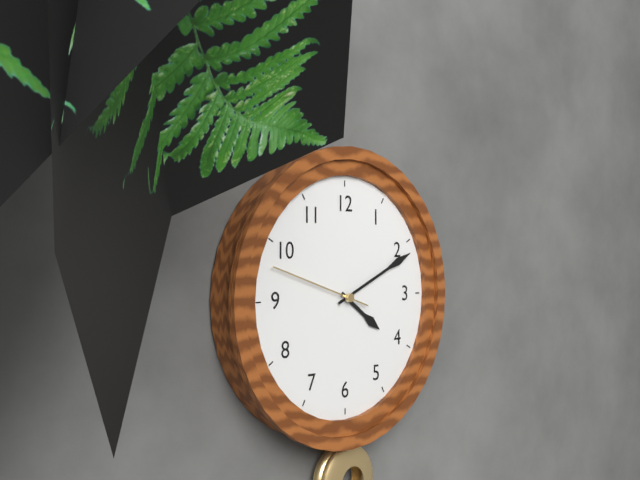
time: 4:11:48
